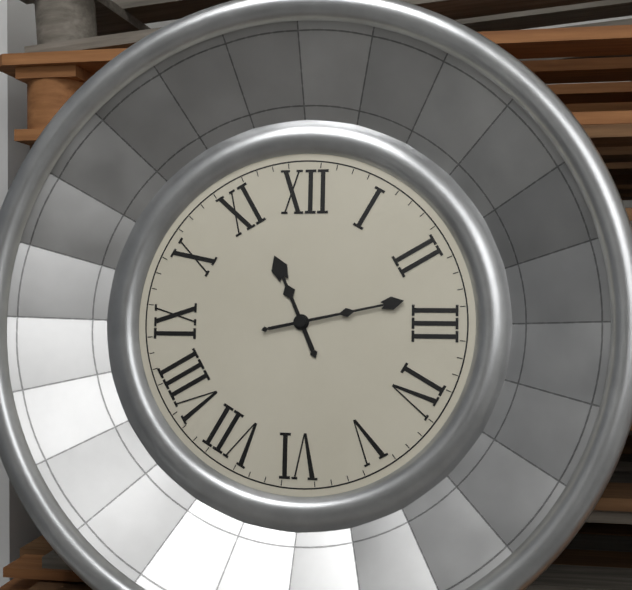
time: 11:13
